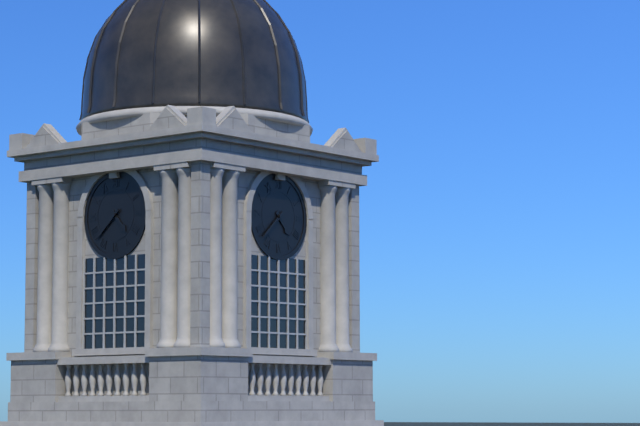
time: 4:38
